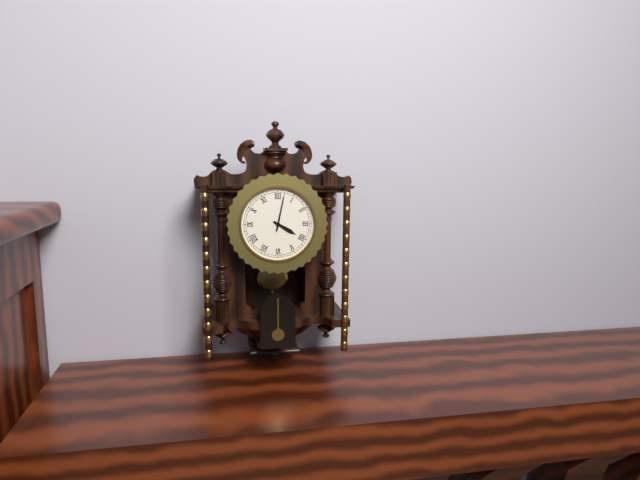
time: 4:02
